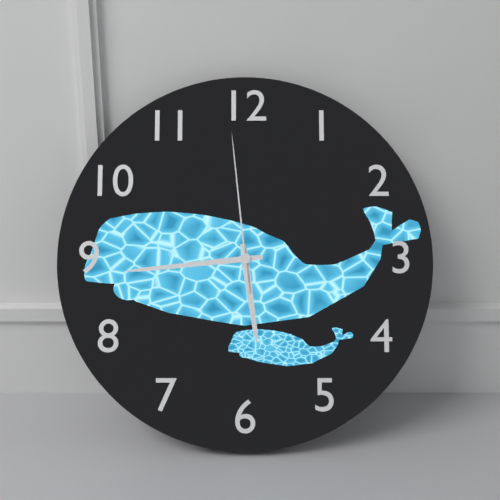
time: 5:44:59
